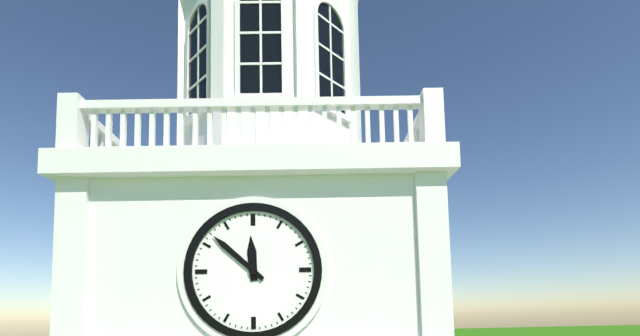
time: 11:52
